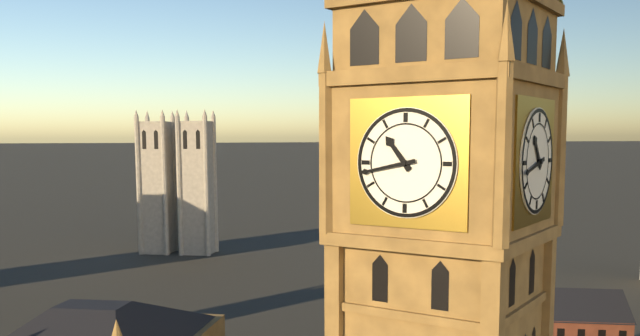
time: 10:43
